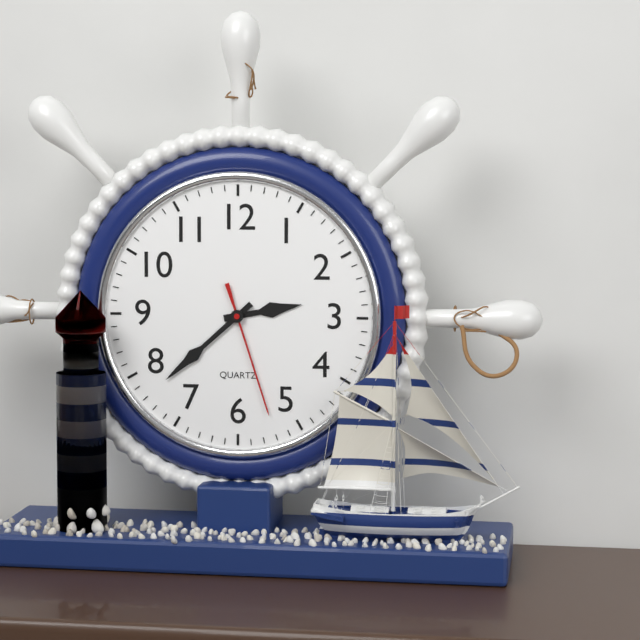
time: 2:38:27
